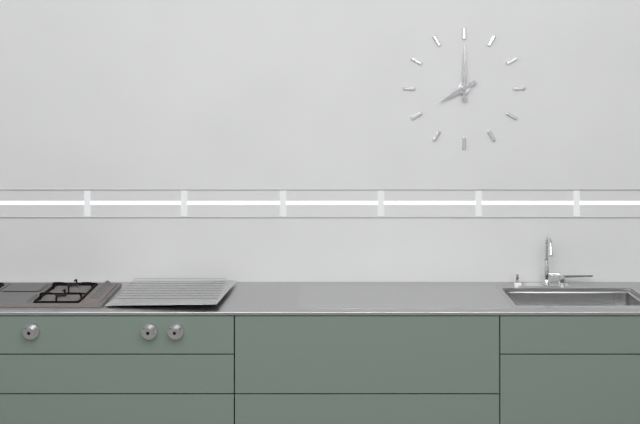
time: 8:00
